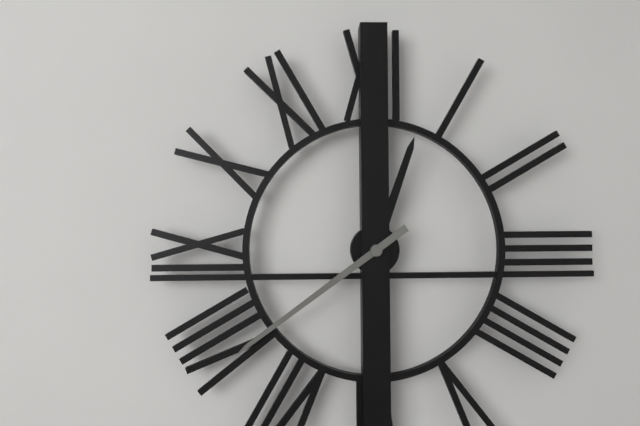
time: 12:39
